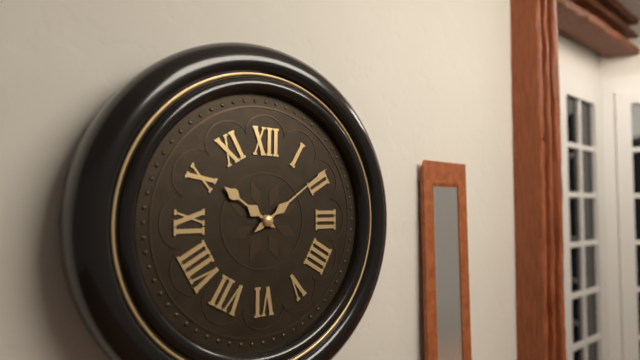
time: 10:09
